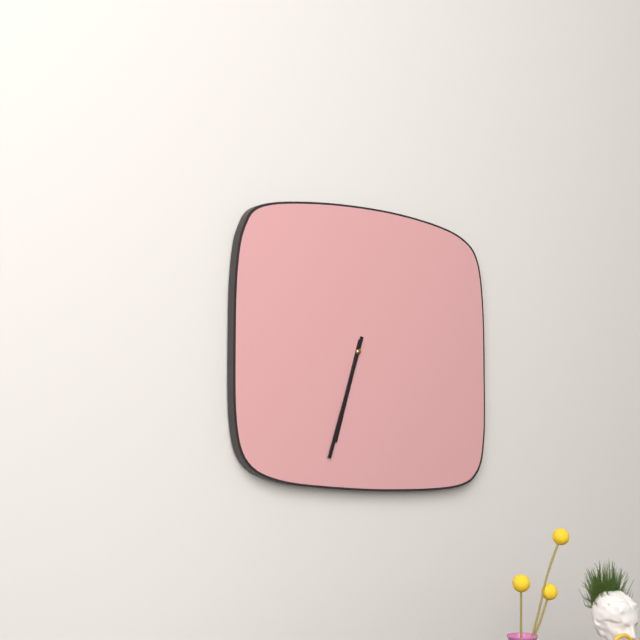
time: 6:33
